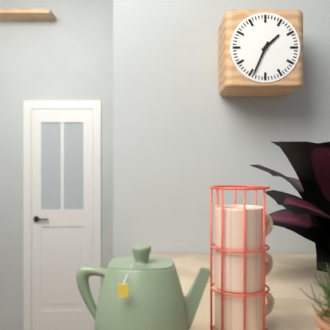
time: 1:34
